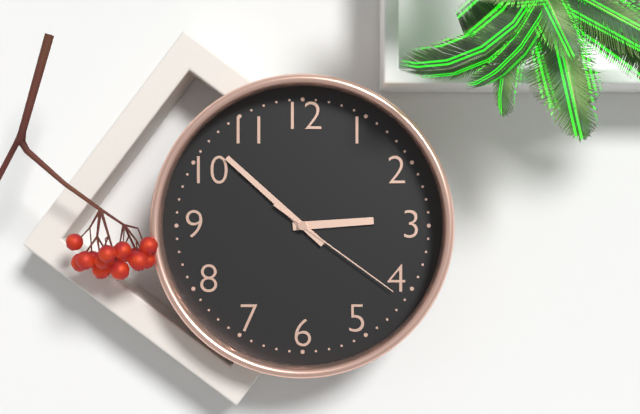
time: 2:52:21
